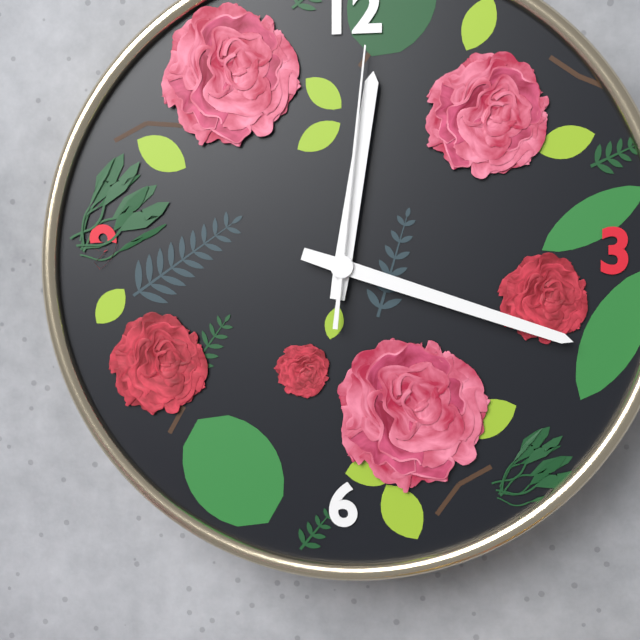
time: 12:18:01
